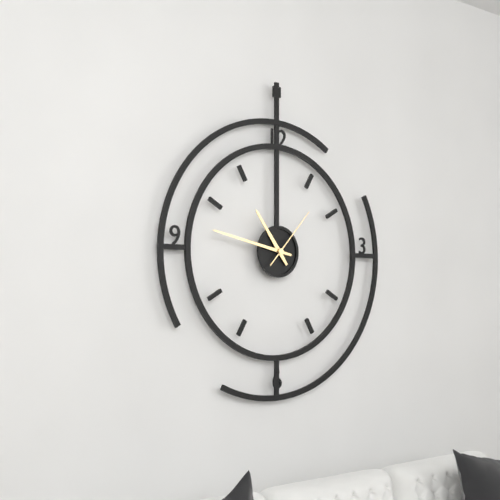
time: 10:47:07
